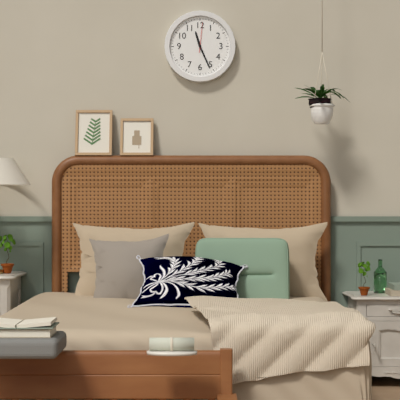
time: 11:26
